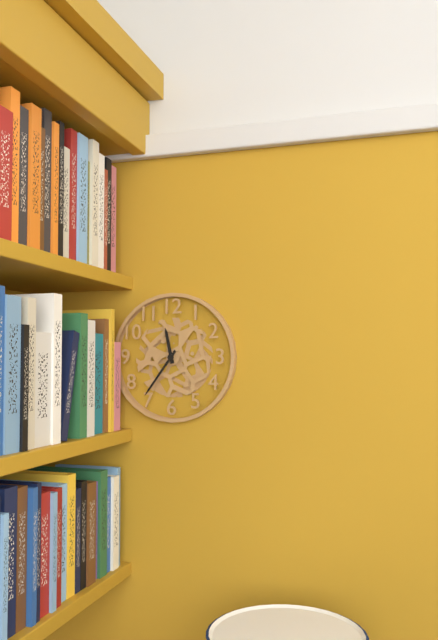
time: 11:36
